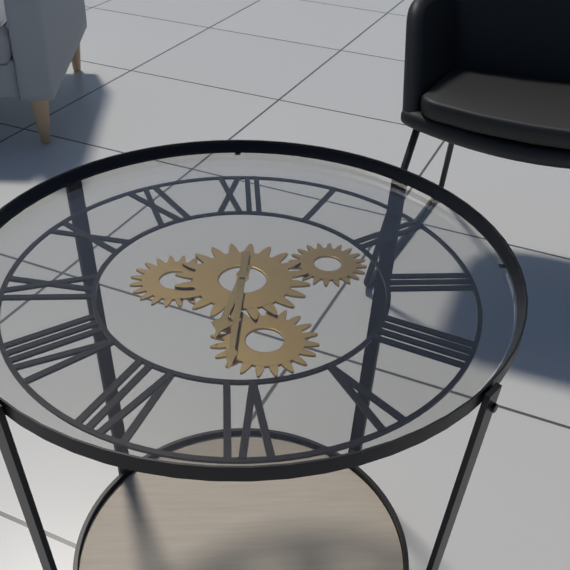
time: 6:31
